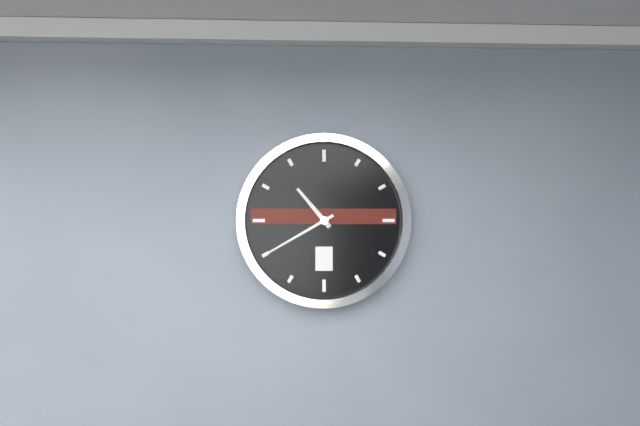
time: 10:40
